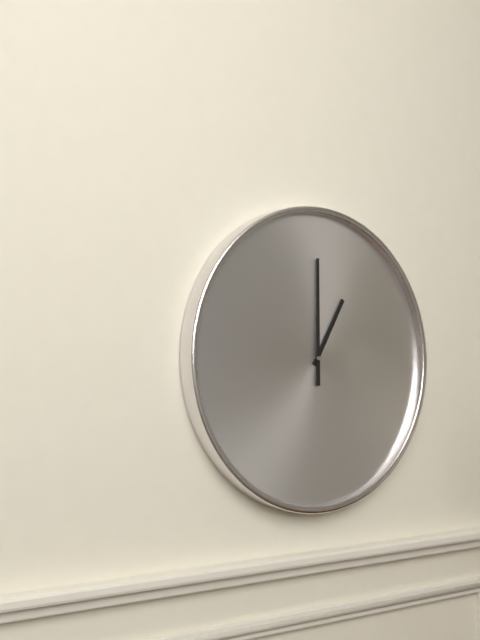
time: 1:00
